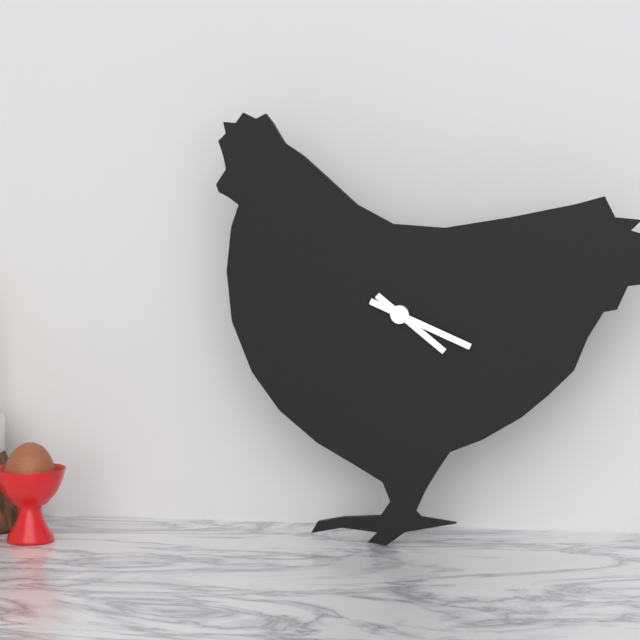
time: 4:19
